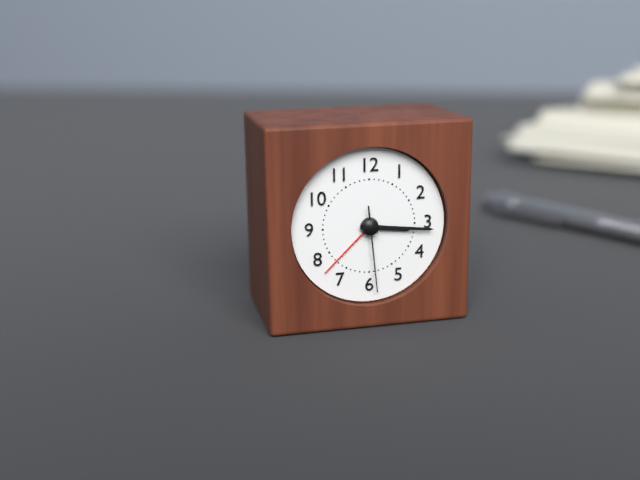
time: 3:16:29
